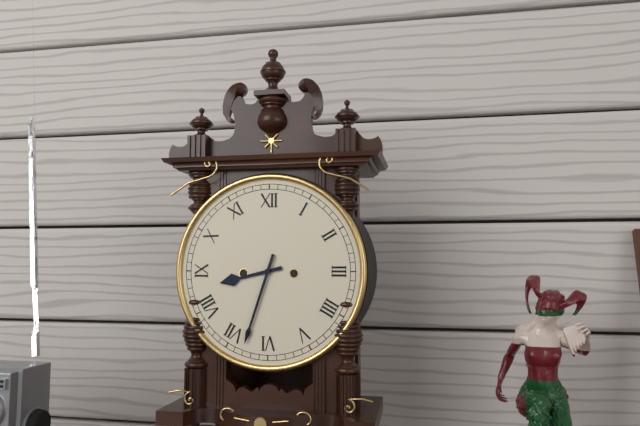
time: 8:33
